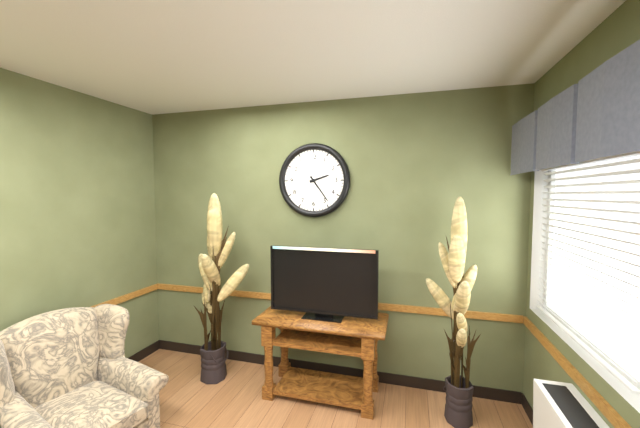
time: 2:24
